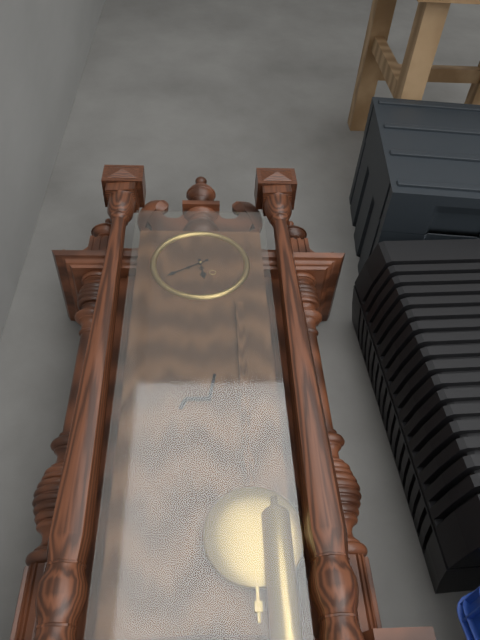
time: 5:40
